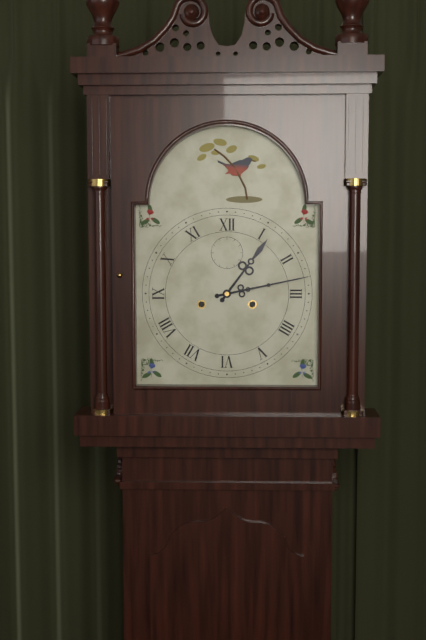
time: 1:13
